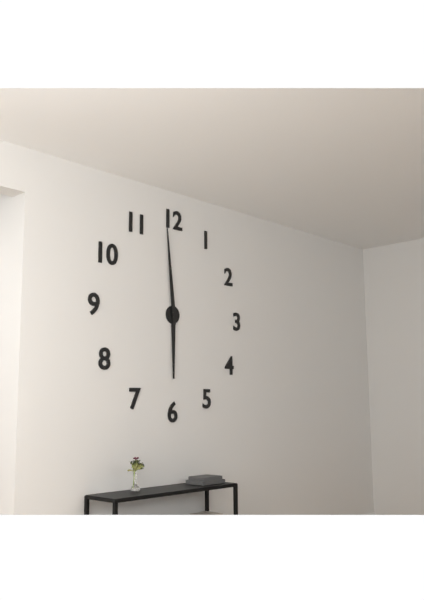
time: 5:59
